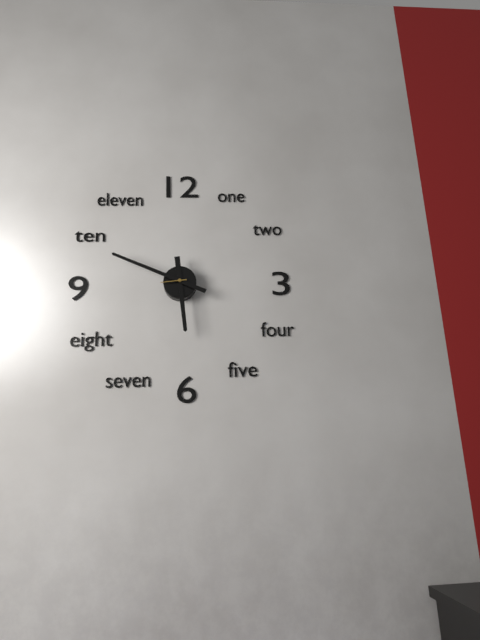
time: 5:49
